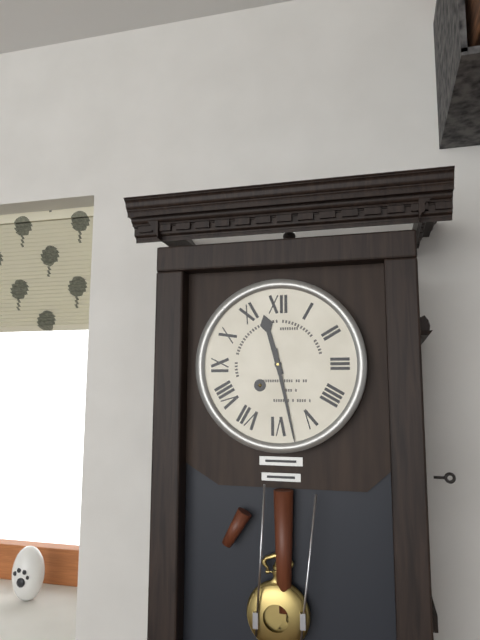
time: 11:28
